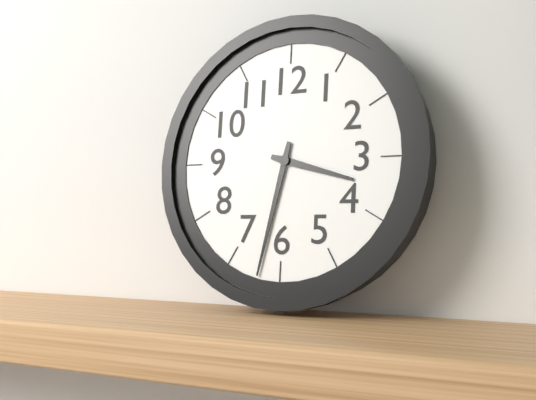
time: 3:32
